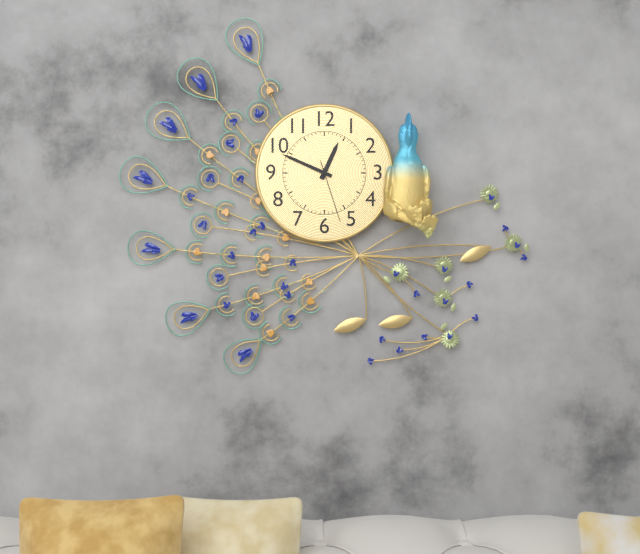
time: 12:49:27
